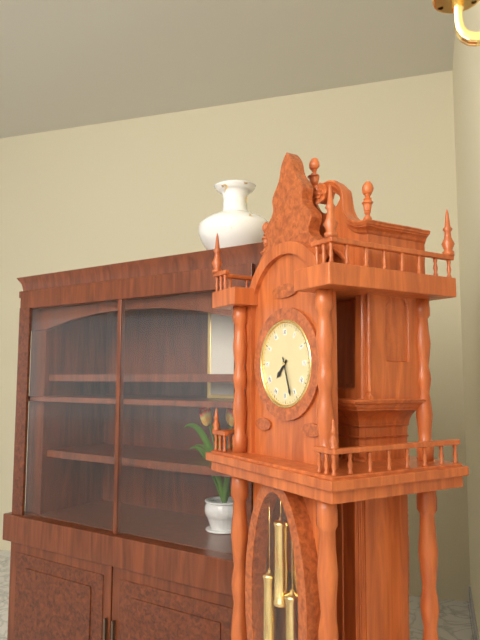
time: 7:27
